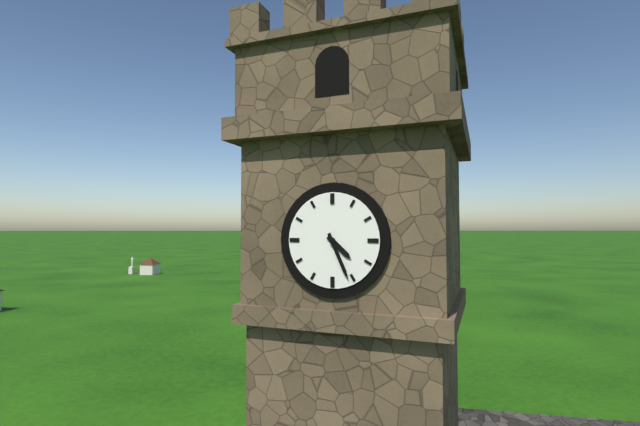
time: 4:26
